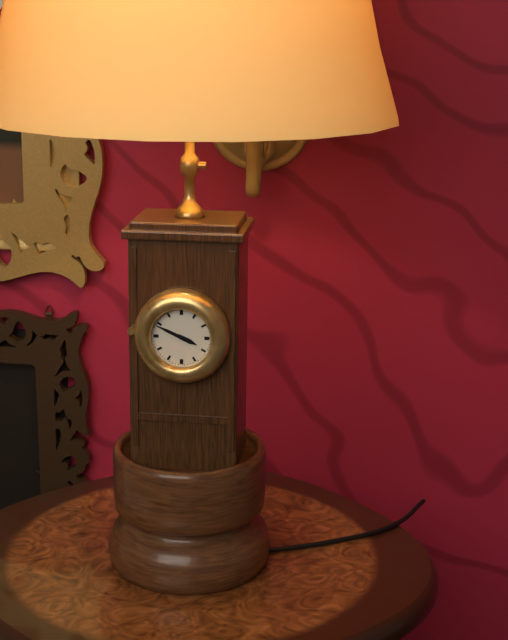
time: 3:49
